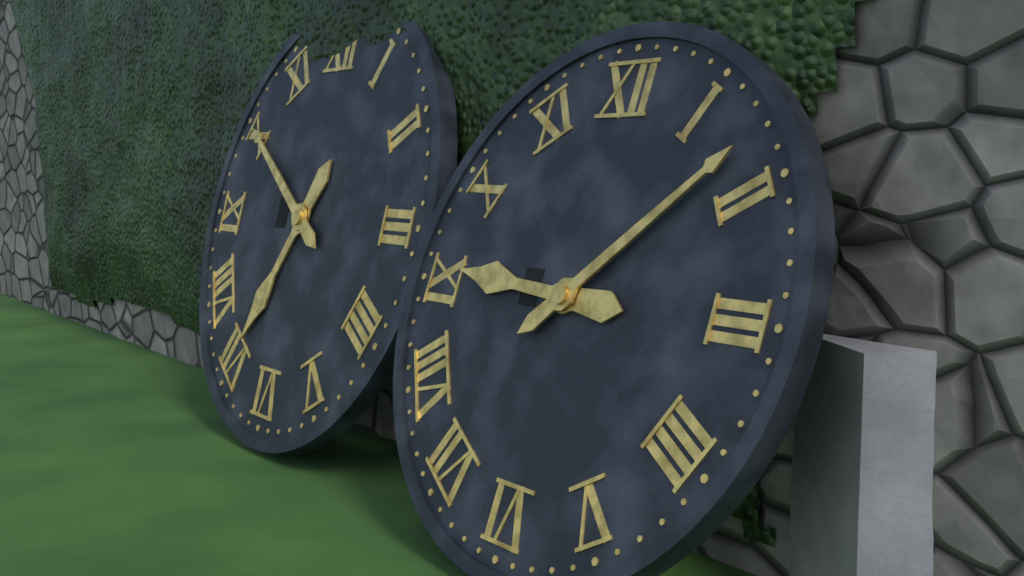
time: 9:08
